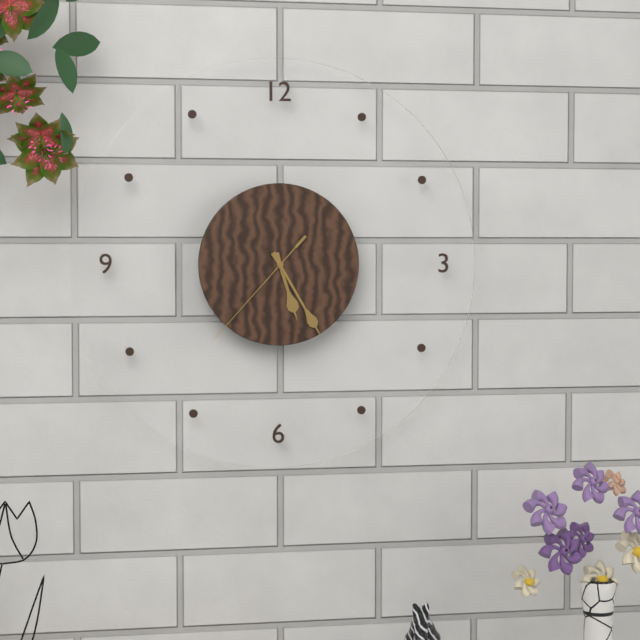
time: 5:25:37
